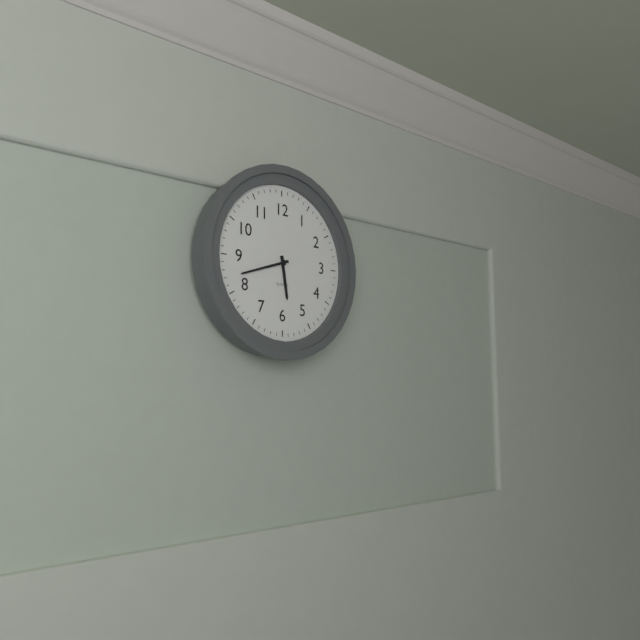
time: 5:42
